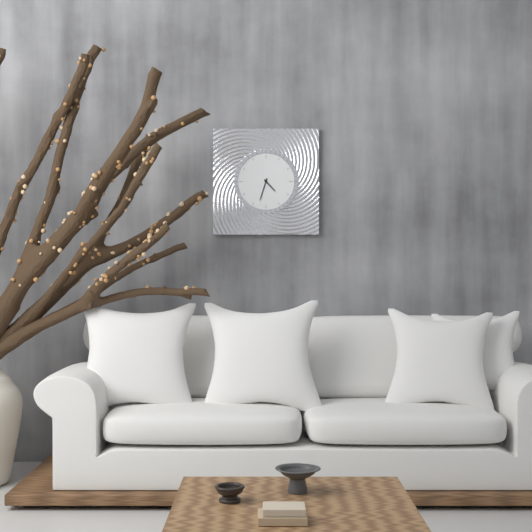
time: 4:33
